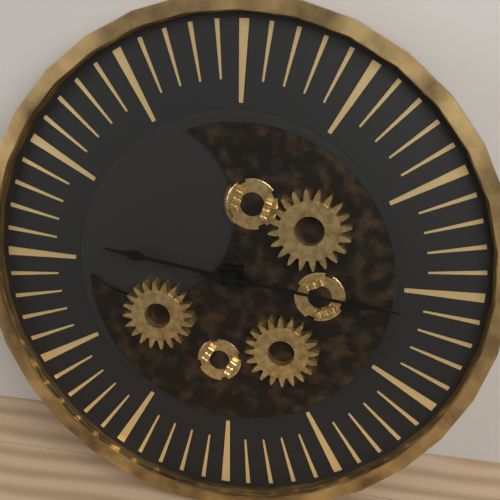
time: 9:16
